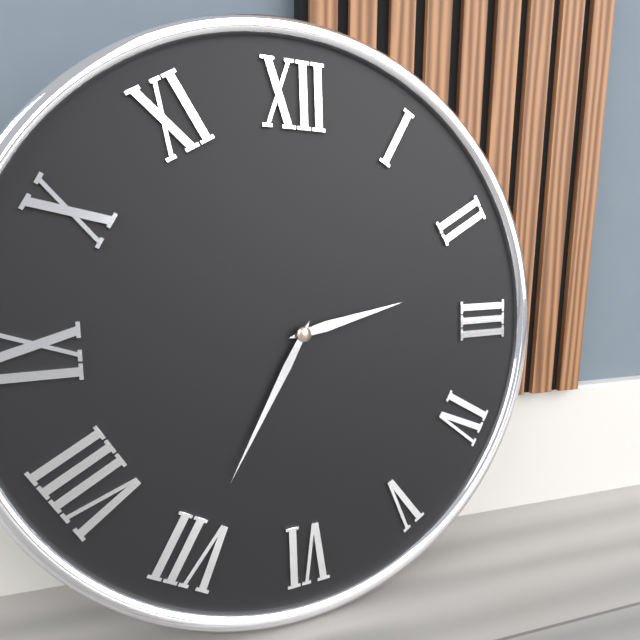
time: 2:35
